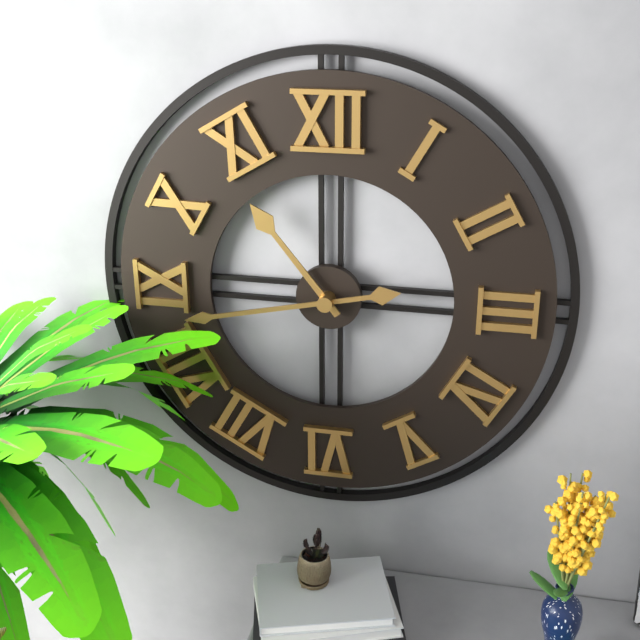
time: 10:43
